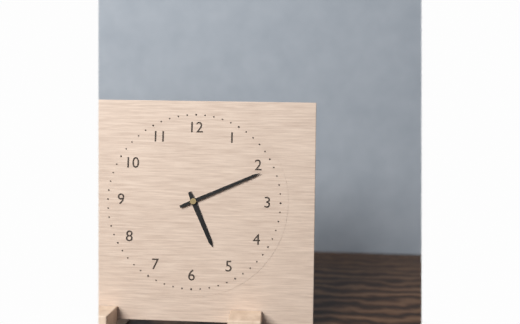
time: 5:11
